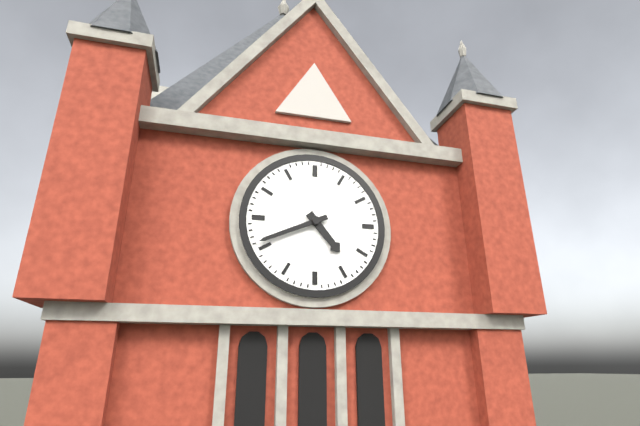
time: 4:41
